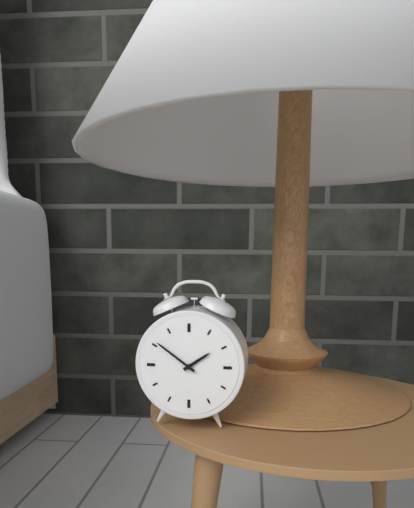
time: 1:51
